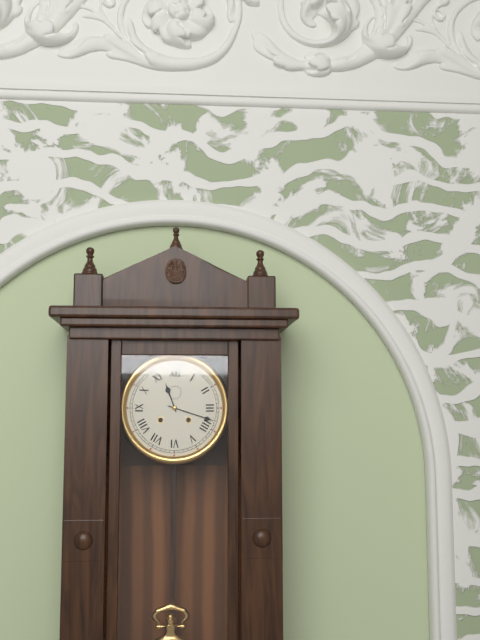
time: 11:18
